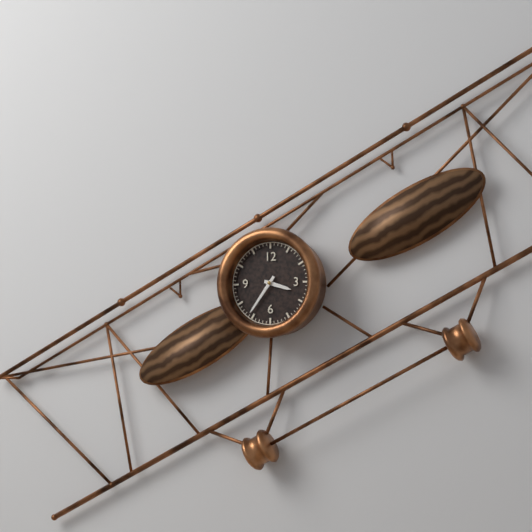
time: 3:36
